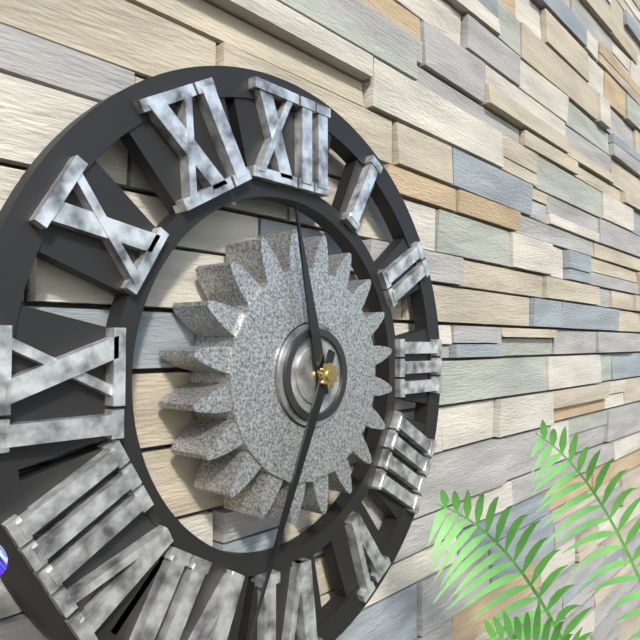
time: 11:34
